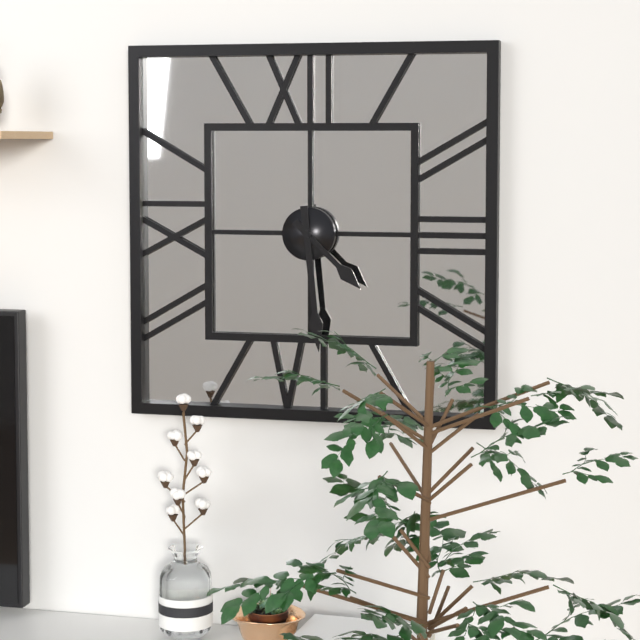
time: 4:29
